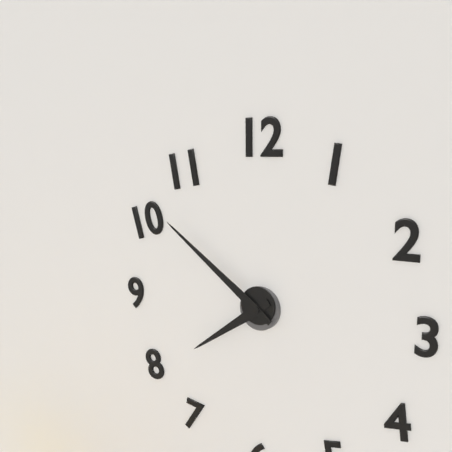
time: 7:51
